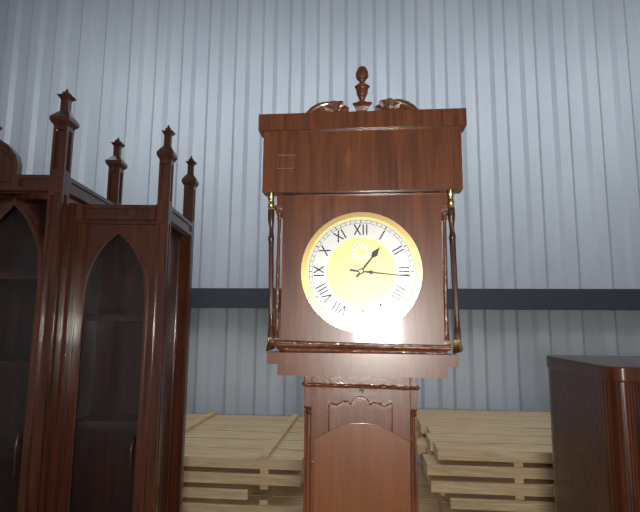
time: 1:16
